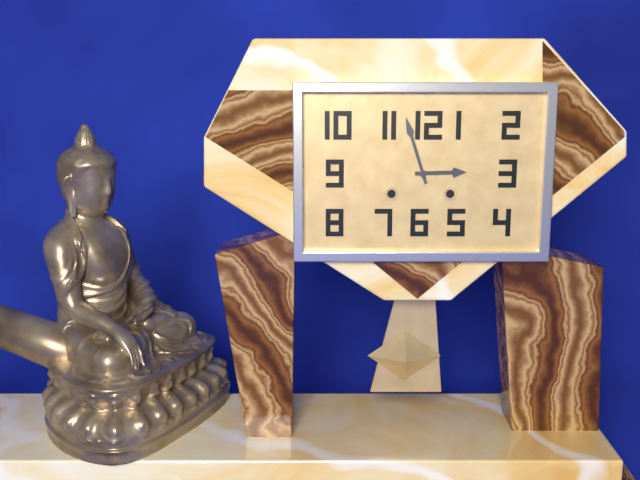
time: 2:57
